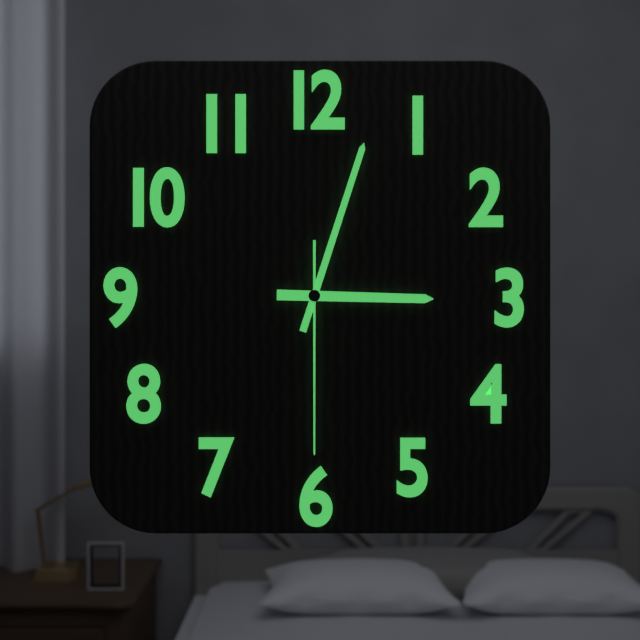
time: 3:03:30
